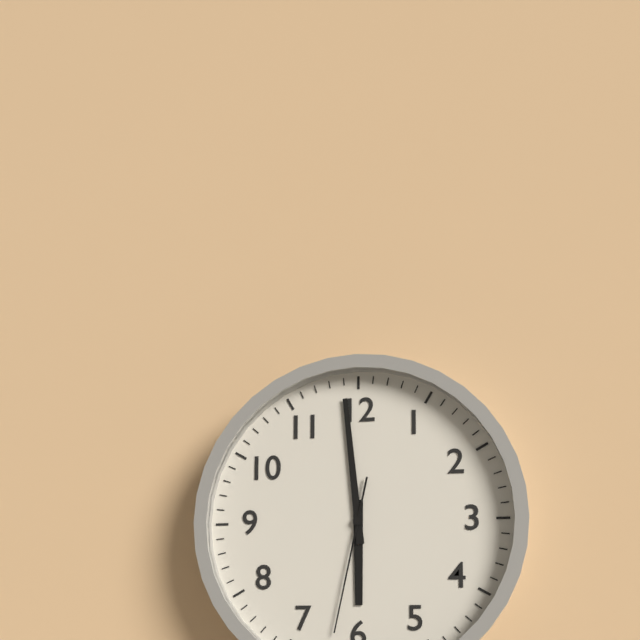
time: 5:59:32
